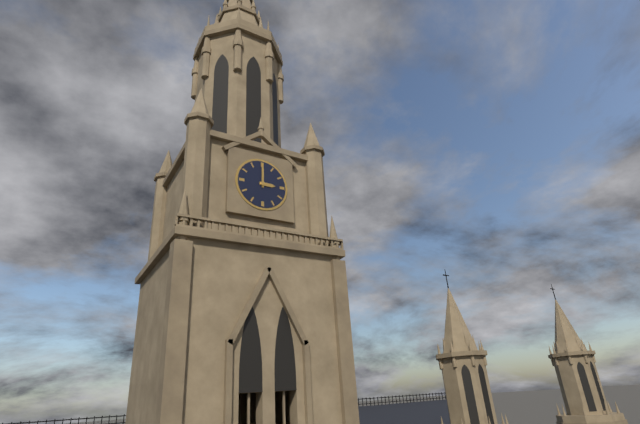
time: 3:00
